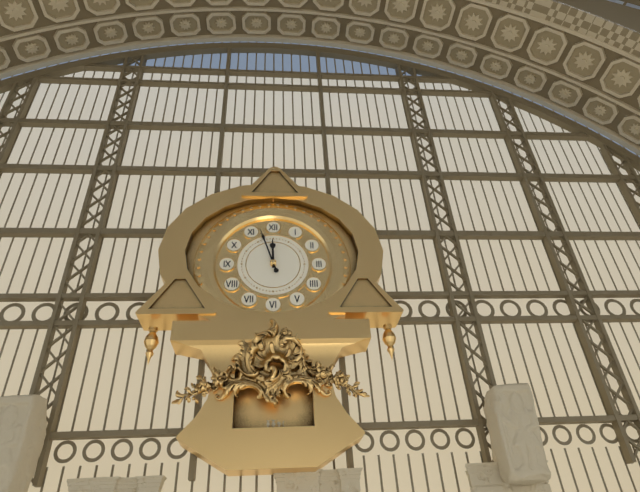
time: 11:57
